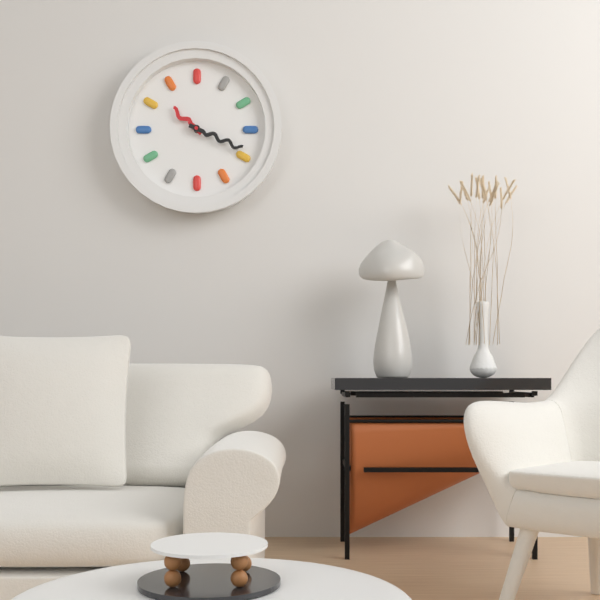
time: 10:19
